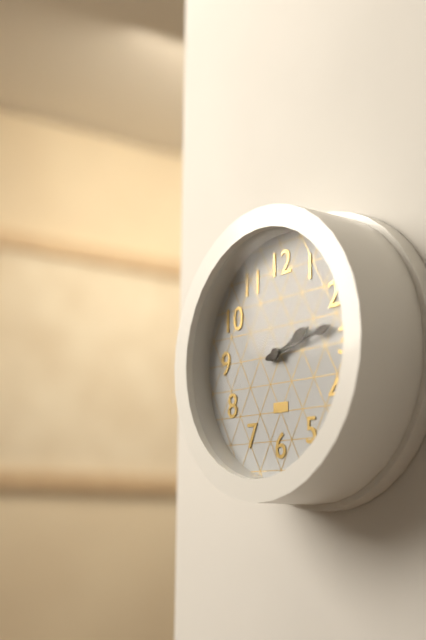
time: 2:13
